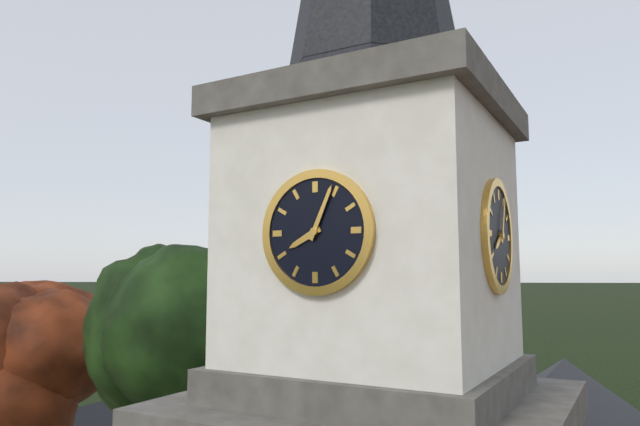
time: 8:04
